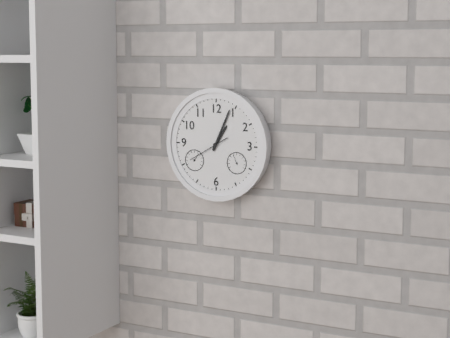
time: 1:04
